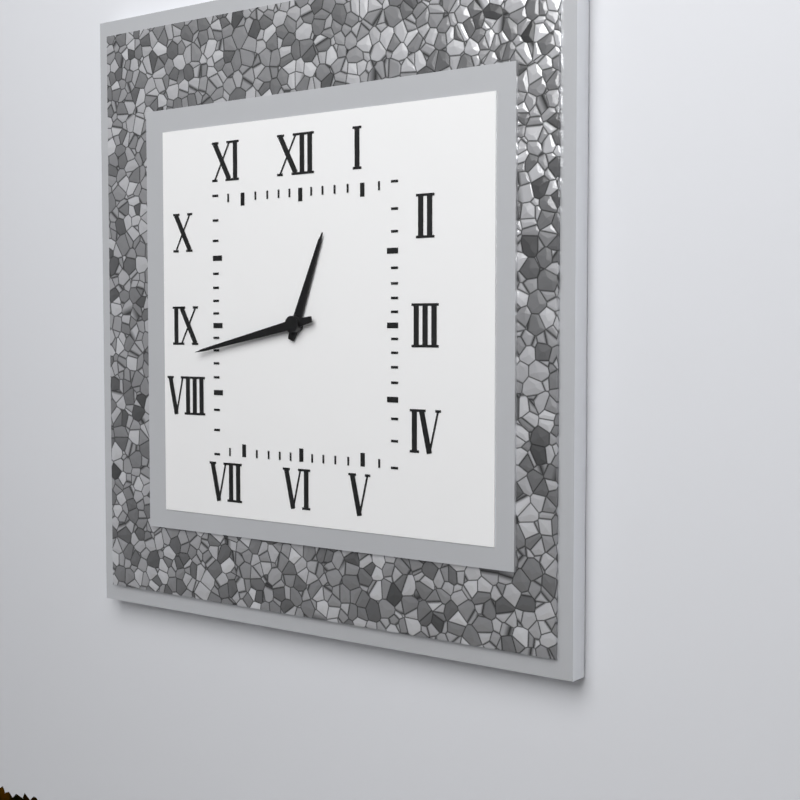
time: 12:43
